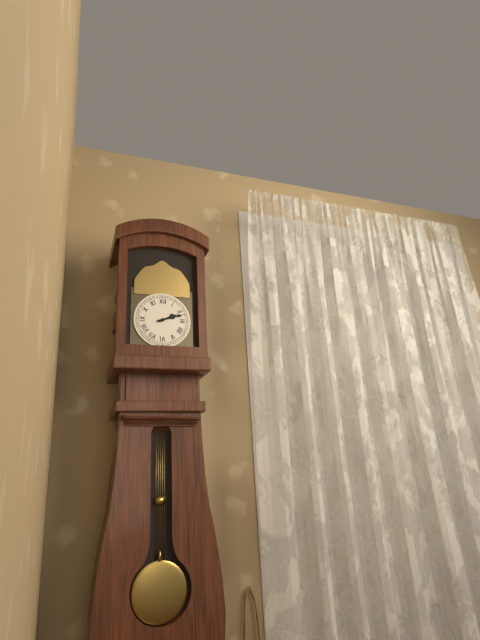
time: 2:12
